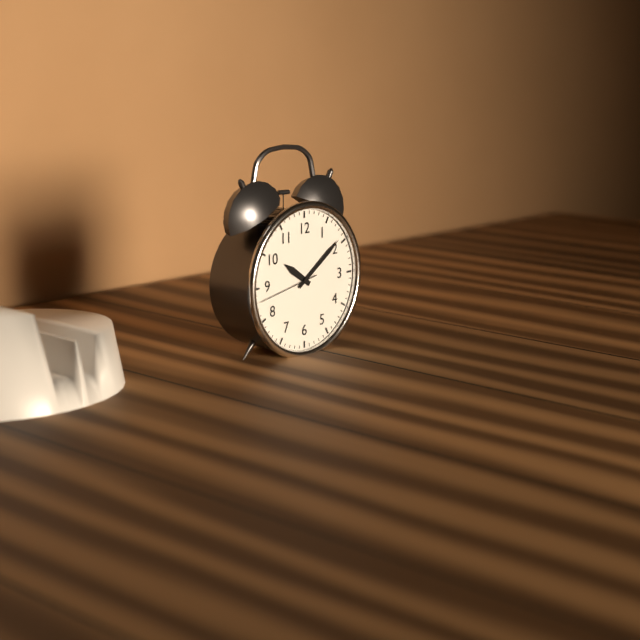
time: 10:09:43
